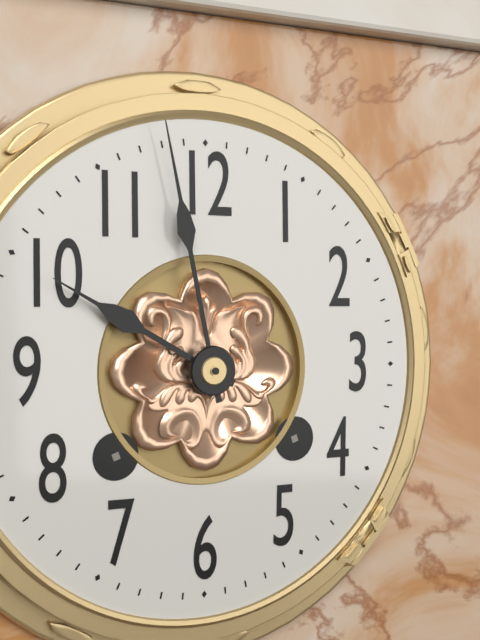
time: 9:58
